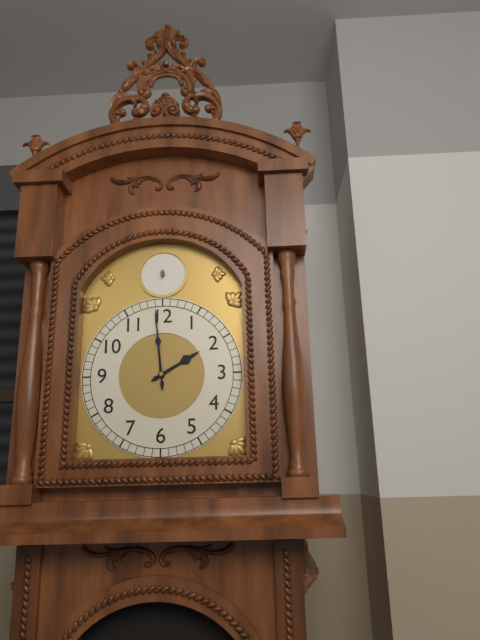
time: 1:59
